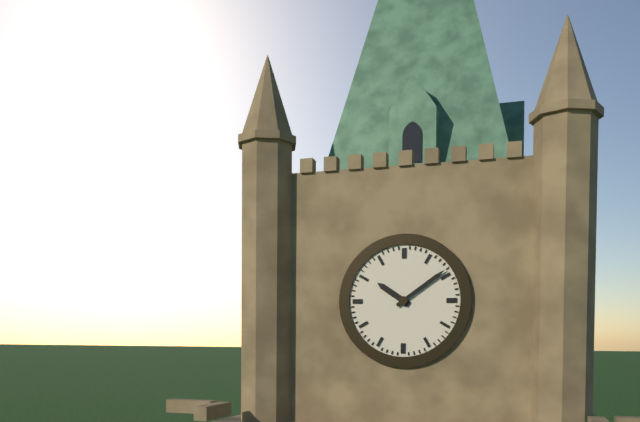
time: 10:09
